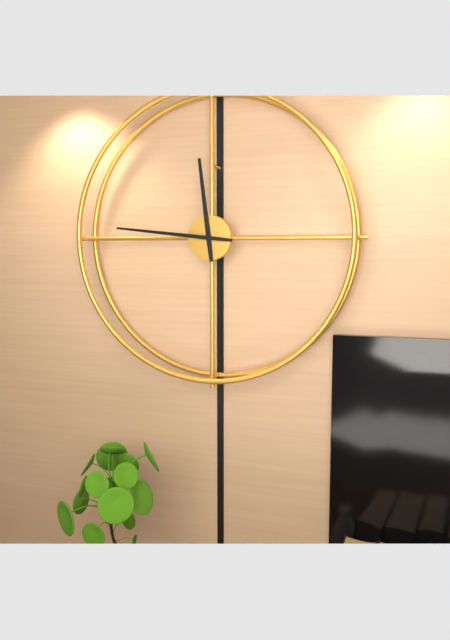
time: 11:46
